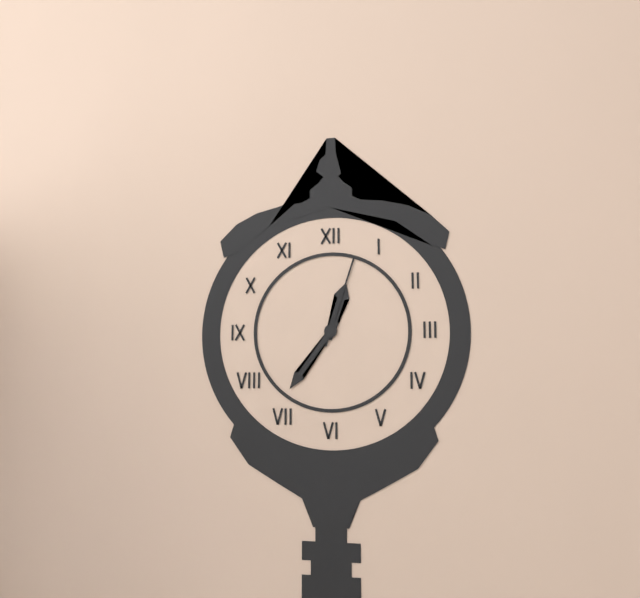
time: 12:36:03
